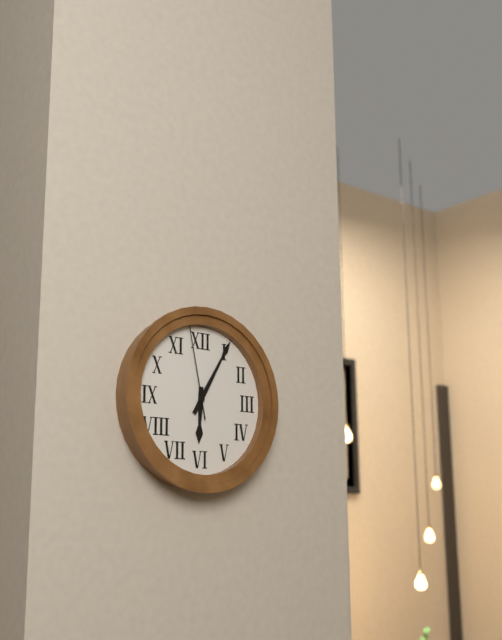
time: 6:05:58
